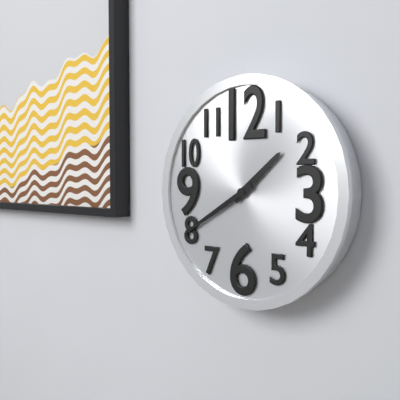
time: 1:40
